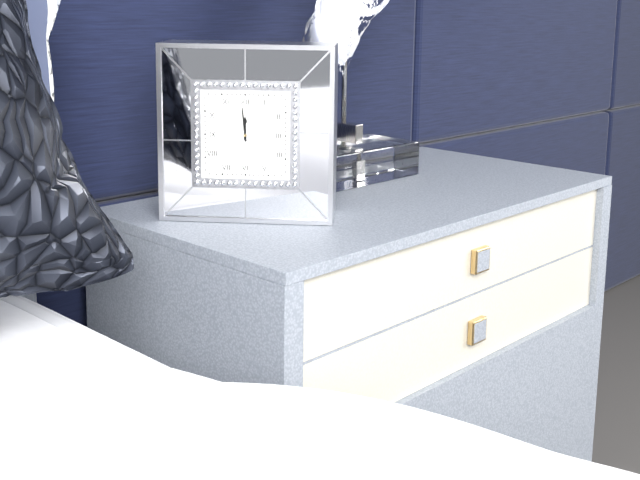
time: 11:59
